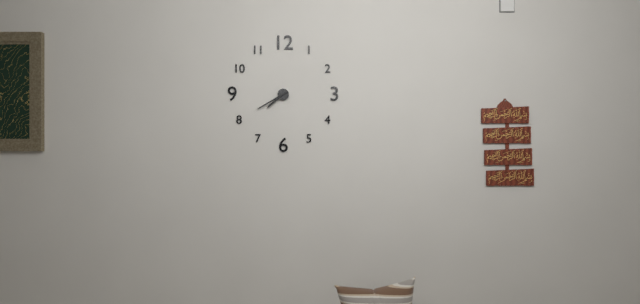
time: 7:40
